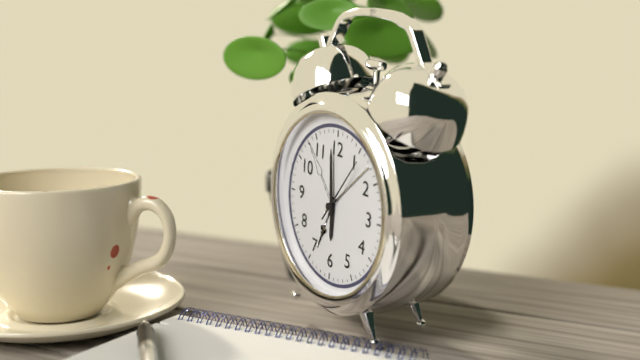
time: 5:59:06
